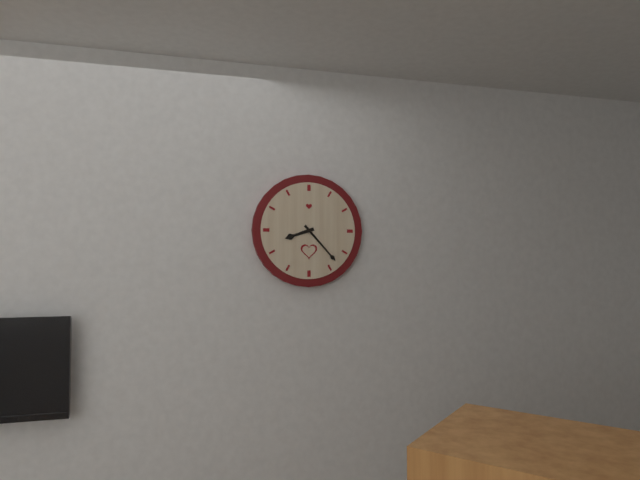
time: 8:23
